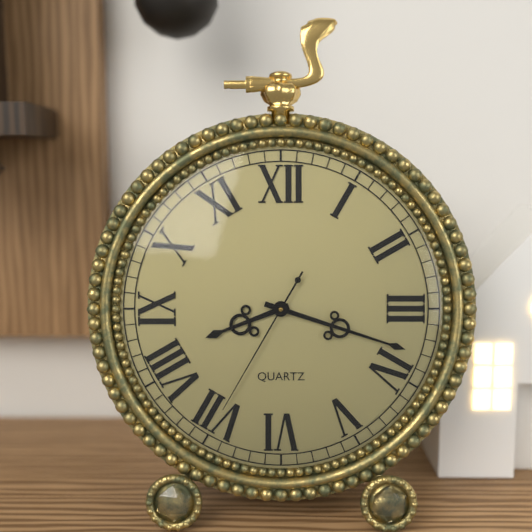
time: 8:18:35
